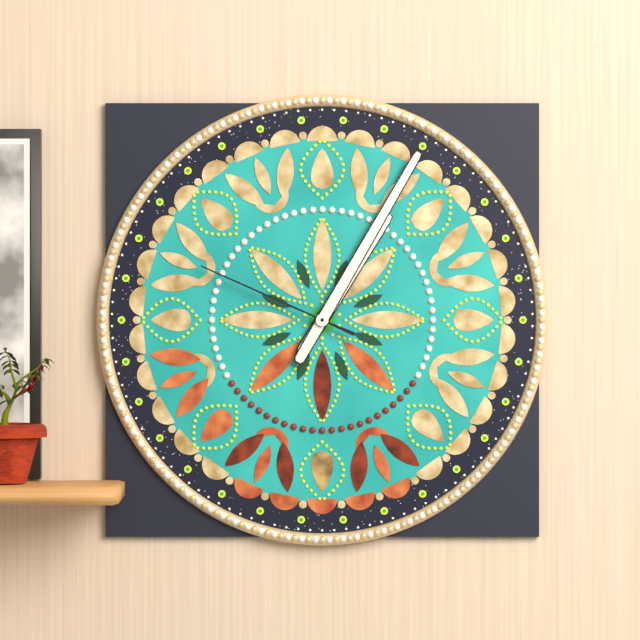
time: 1:05:49
